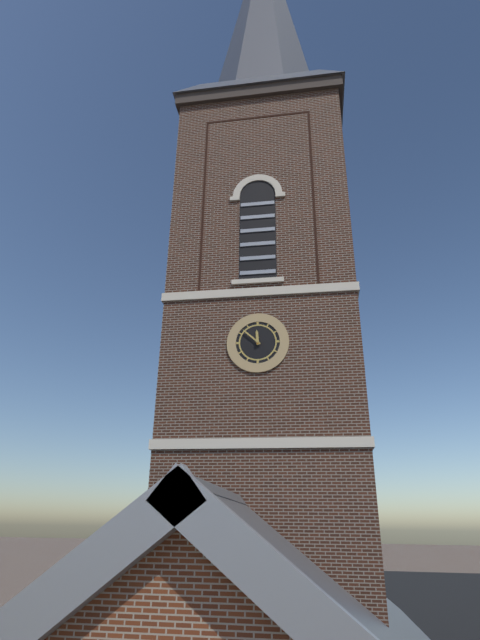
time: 11:52
